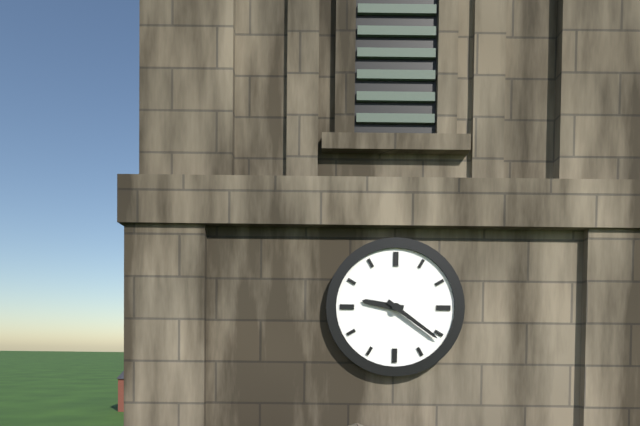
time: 9:21
